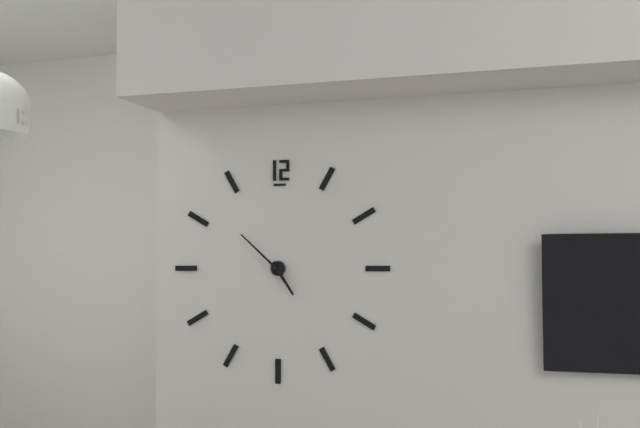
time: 4:52
